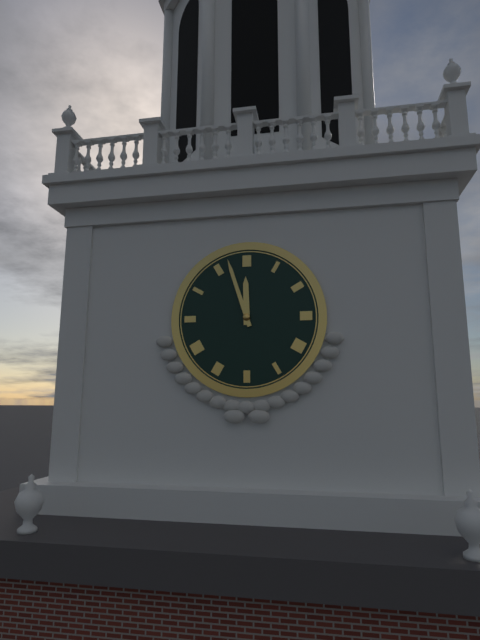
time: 11:57
